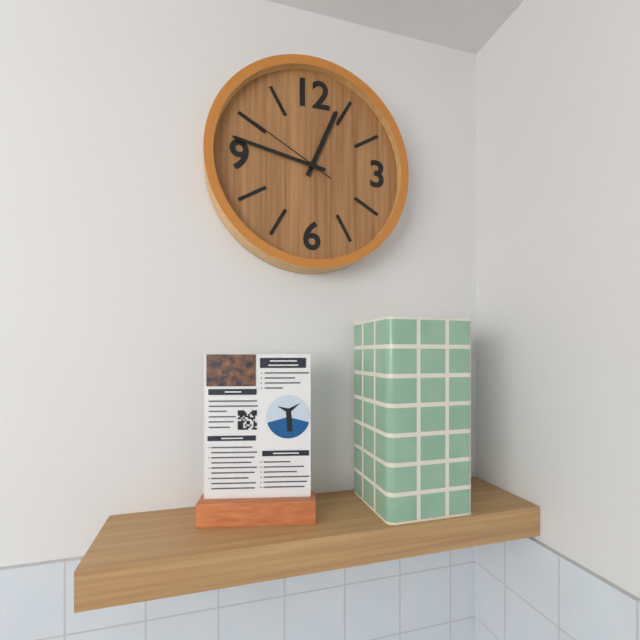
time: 12:47:50
